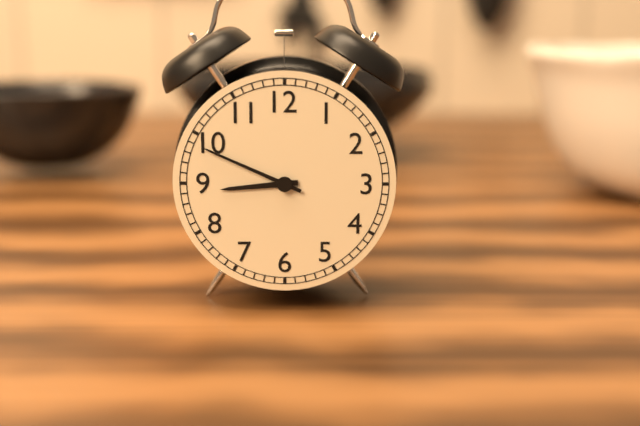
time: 8:49
